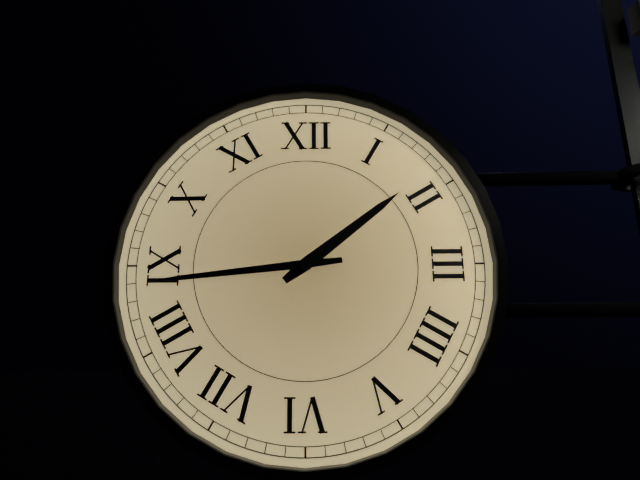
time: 1:44
